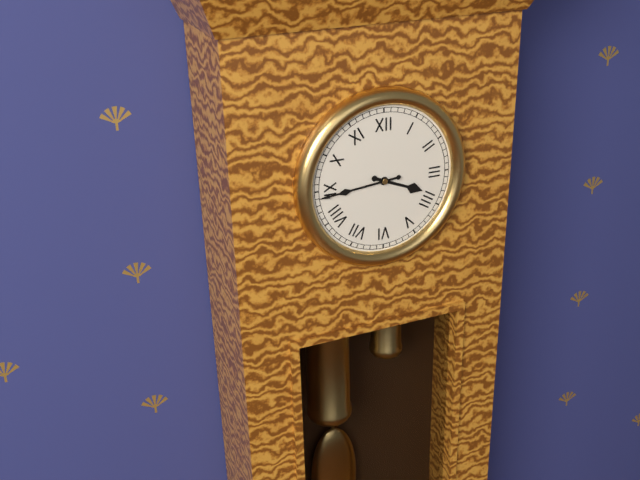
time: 3:44
